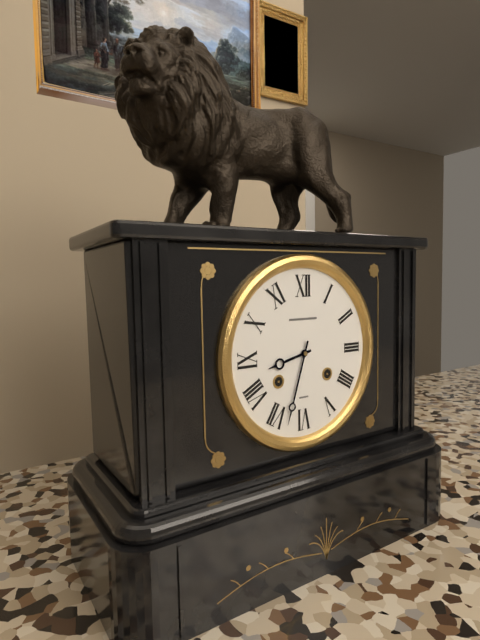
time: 8:33
